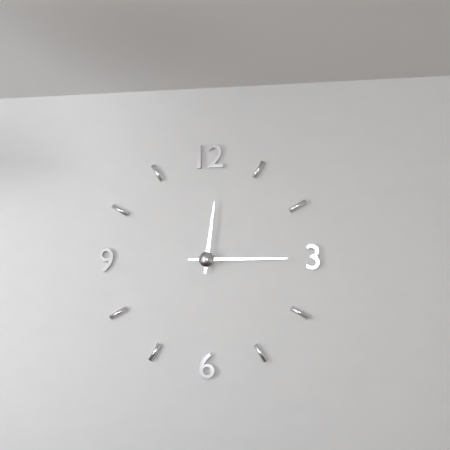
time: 12:15
